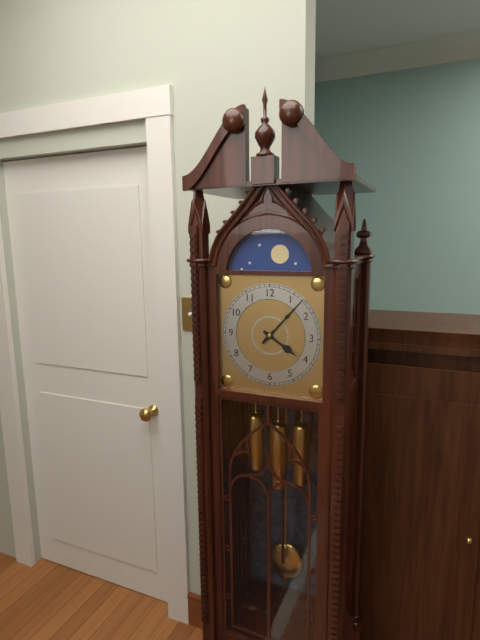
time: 4:07
